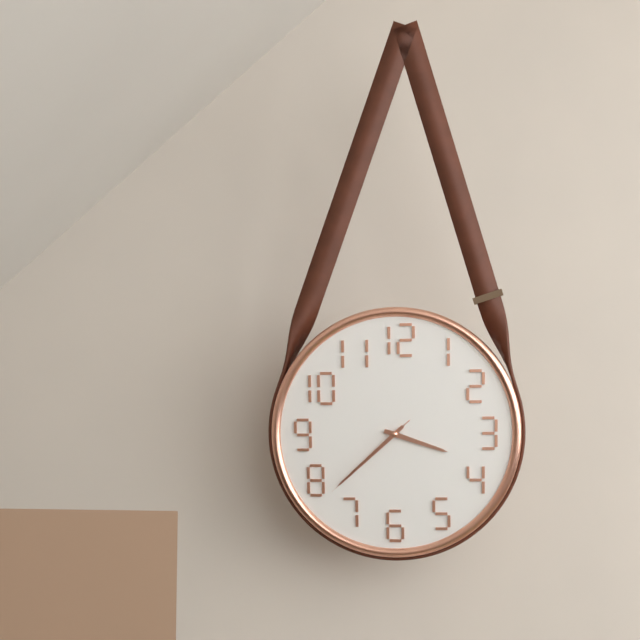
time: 3:38:38
